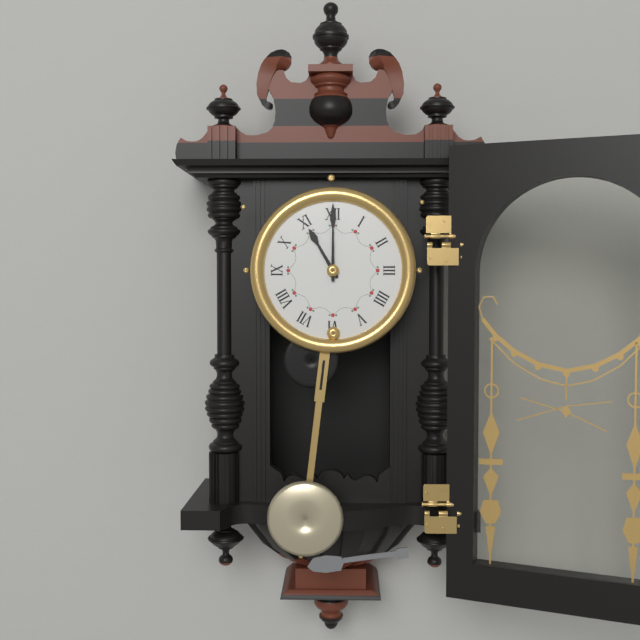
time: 11:00
